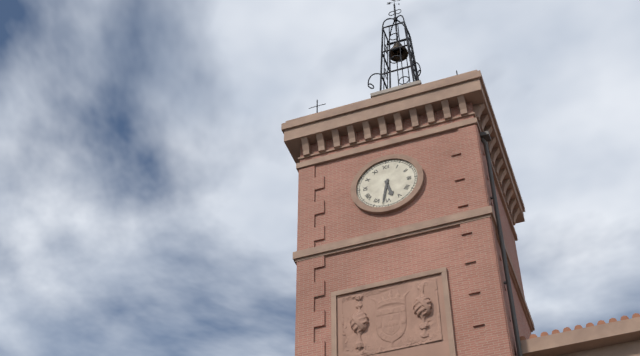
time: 5:32
